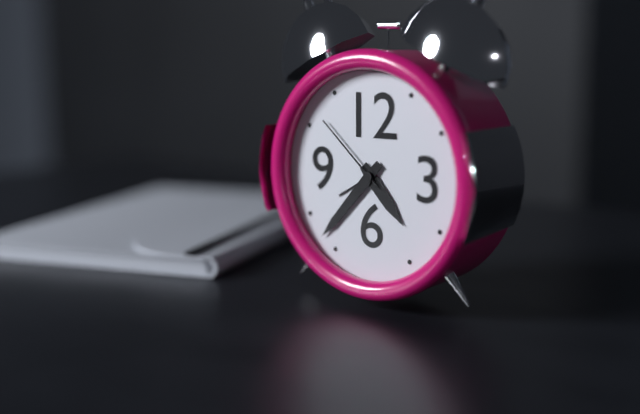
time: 4:37:52
